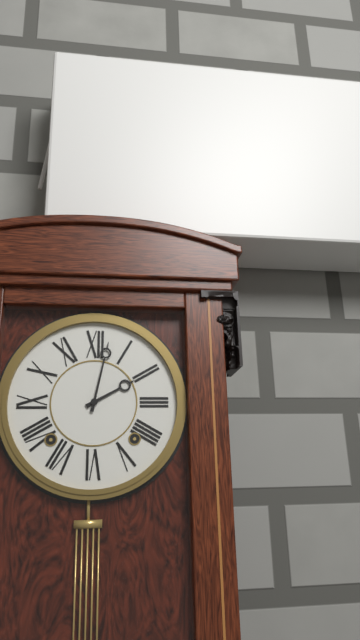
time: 2:02
